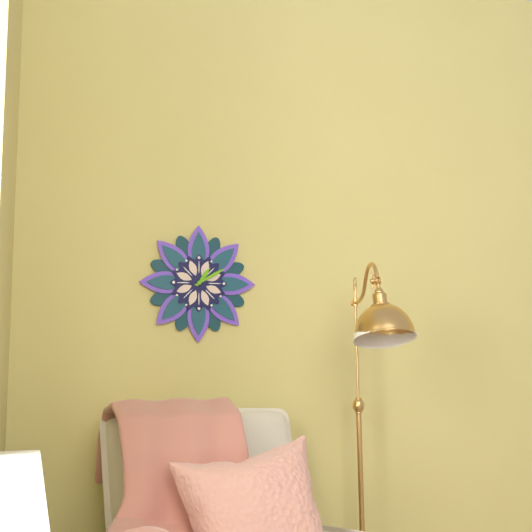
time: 1:10
